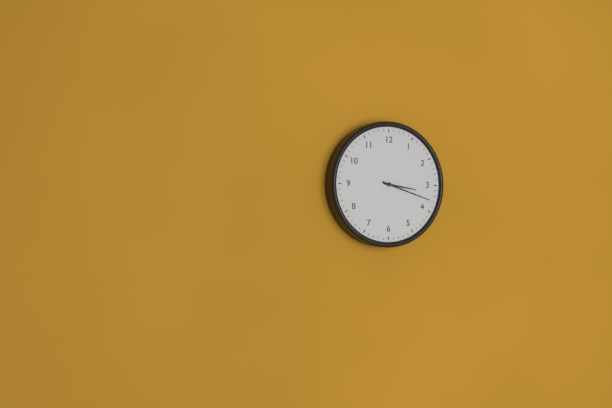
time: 3:18
